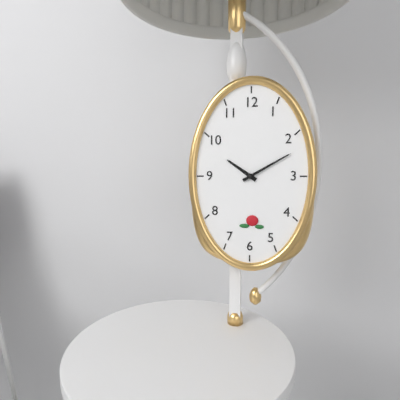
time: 10:10
